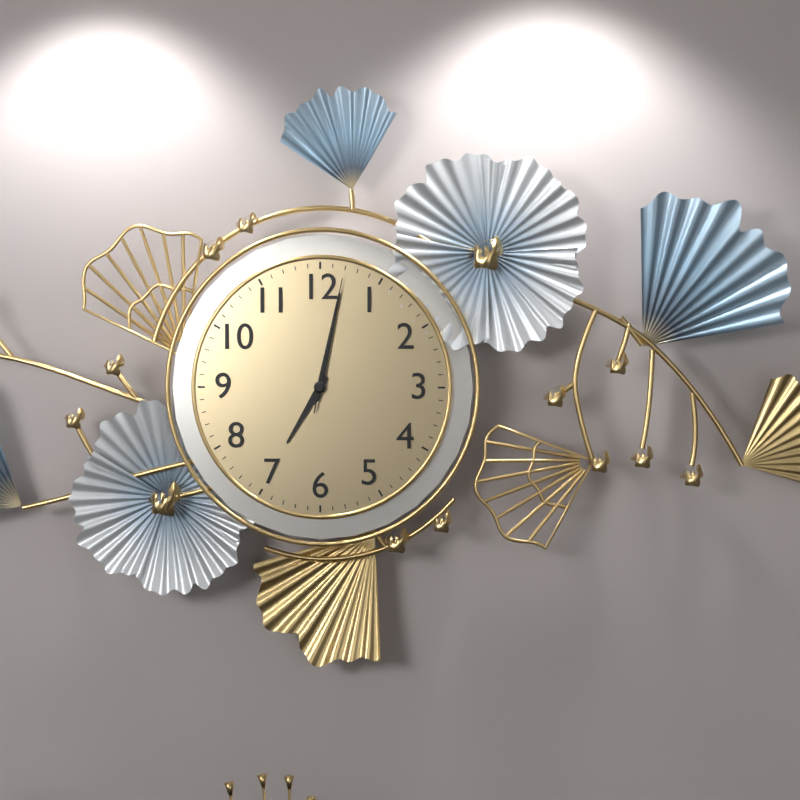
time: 7:02:02
